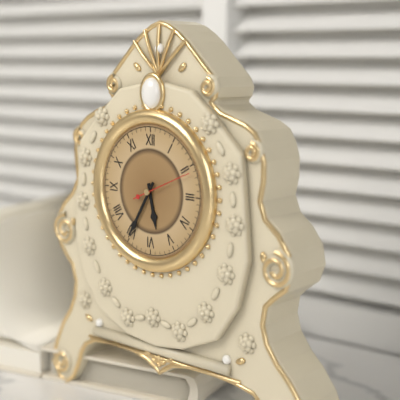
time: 5:35:11
